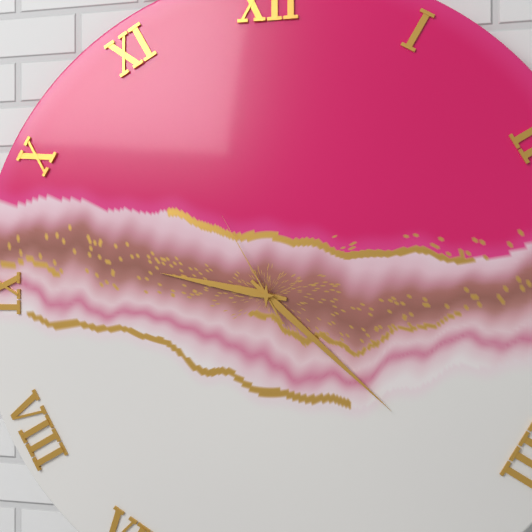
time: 9:22:55
